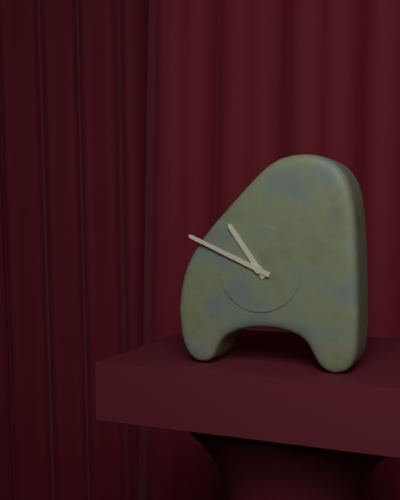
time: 10:49
